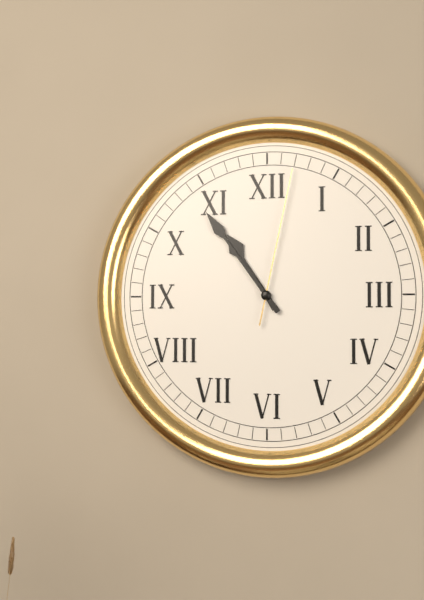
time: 10:54:02
